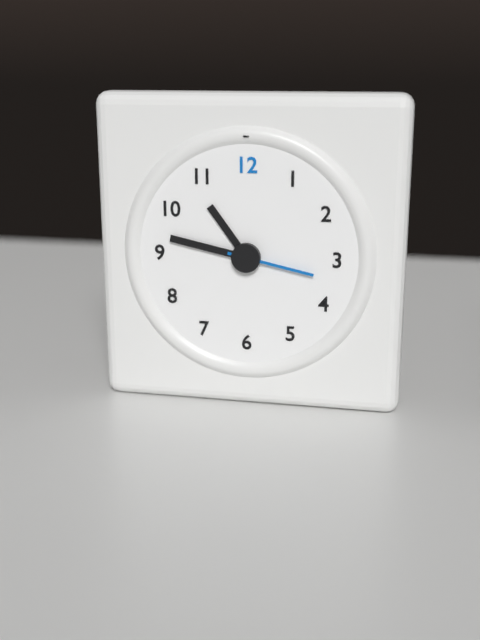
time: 10:47:17
